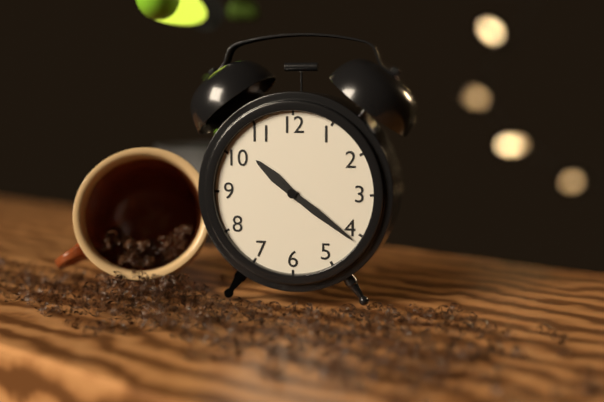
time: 10:21
